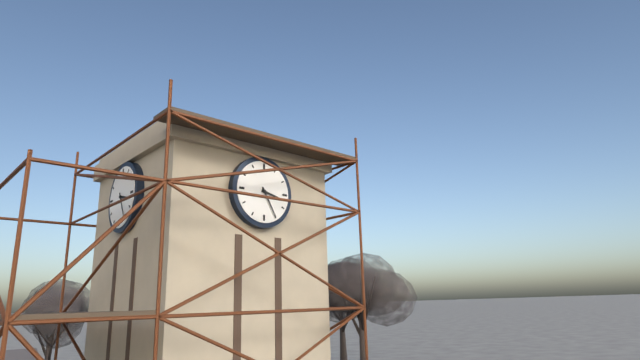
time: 3:25
